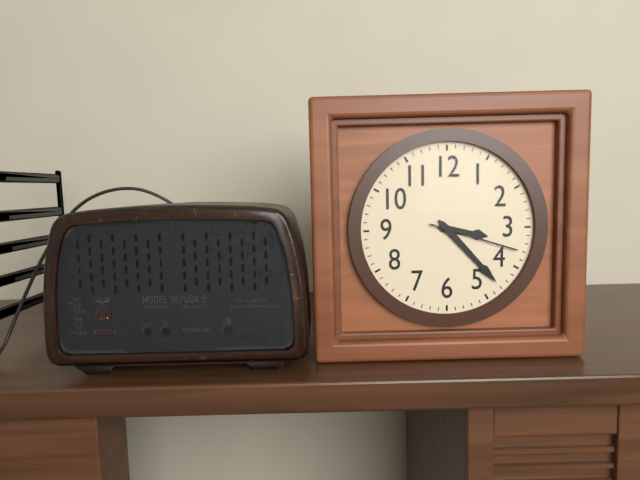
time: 3:23:18
